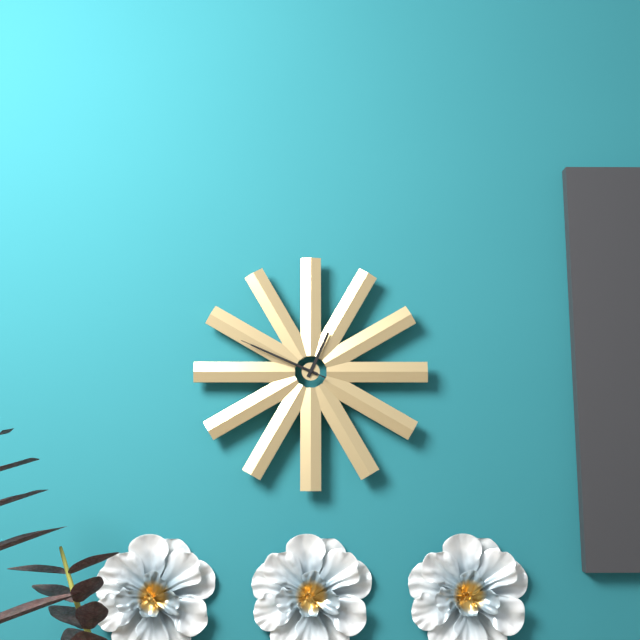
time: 12:49:49
